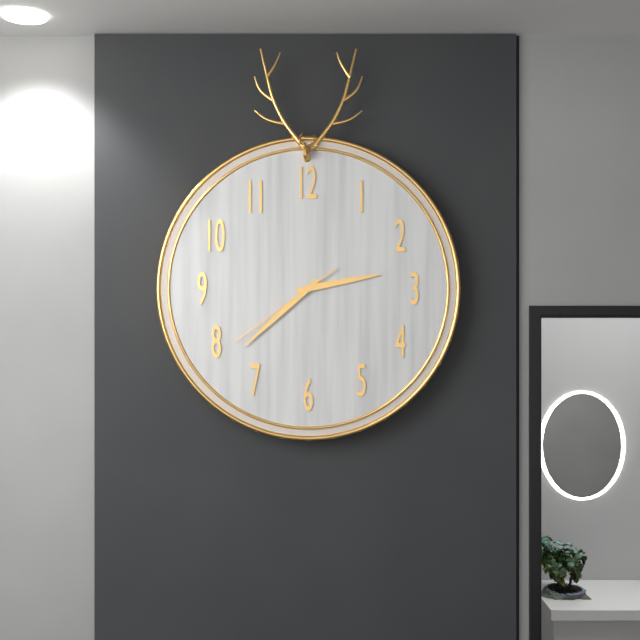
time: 2:38:39
